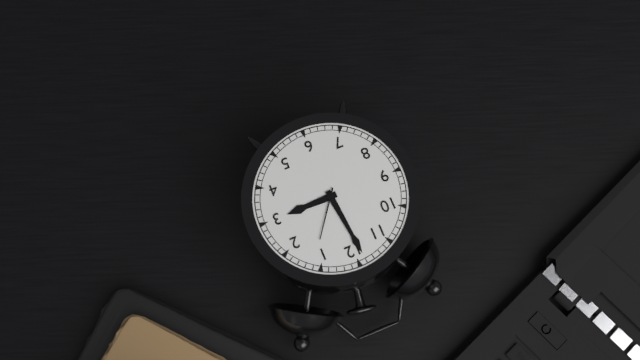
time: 2:59
